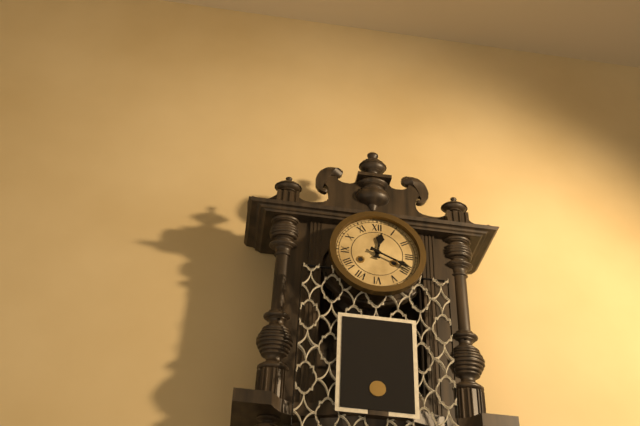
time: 12:19
